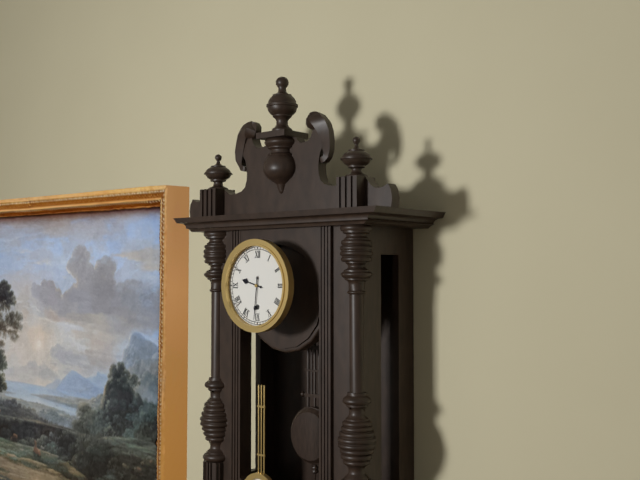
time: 9:31
